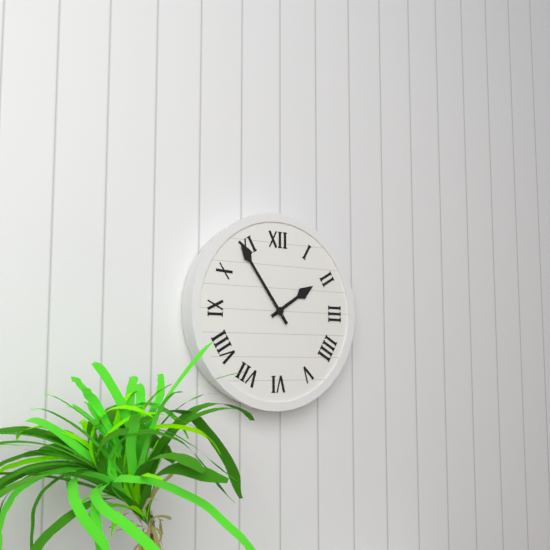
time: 1:54
